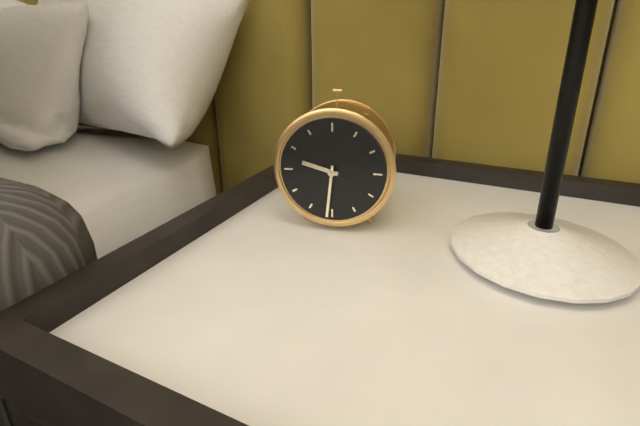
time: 9:31
